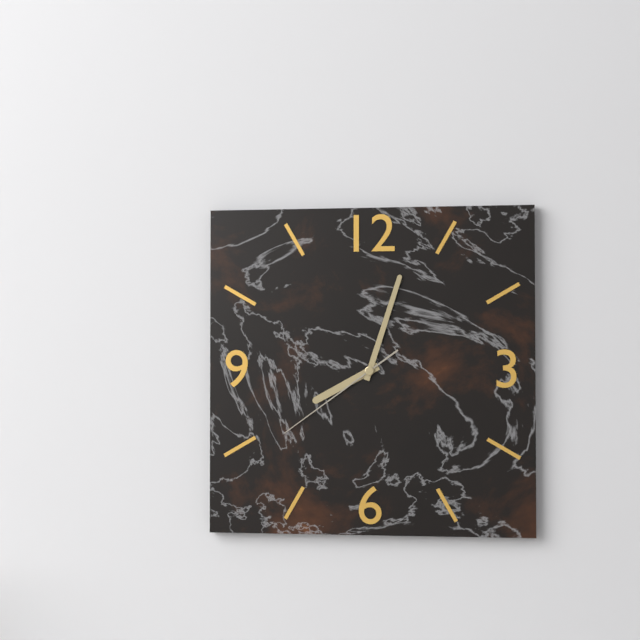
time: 8:03:39
